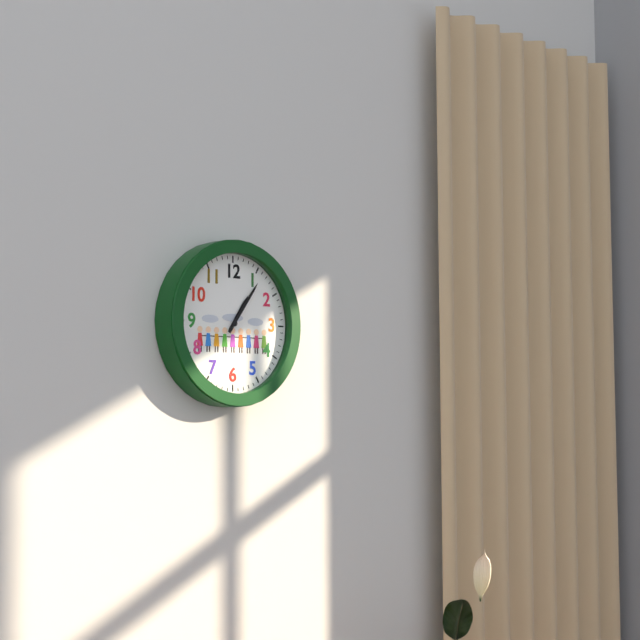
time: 1:06
